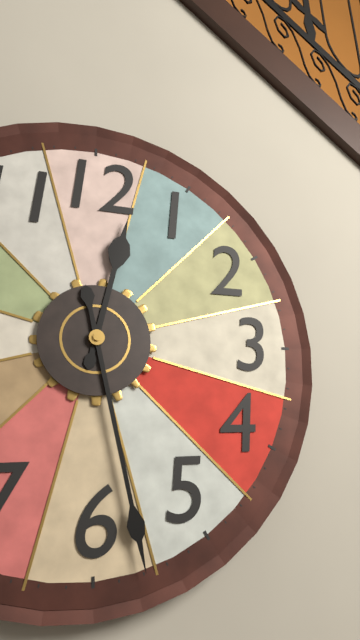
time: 12:28
